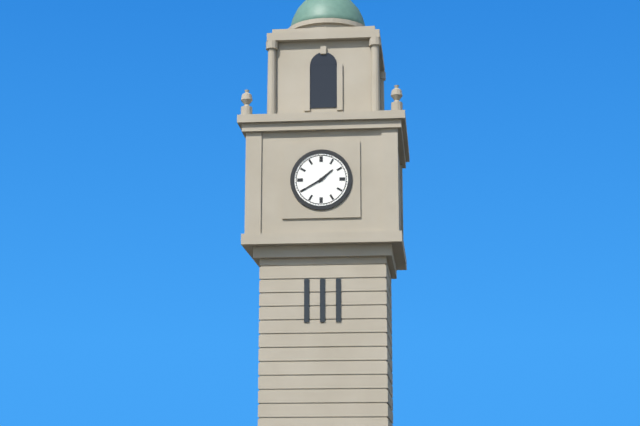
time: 1:40
